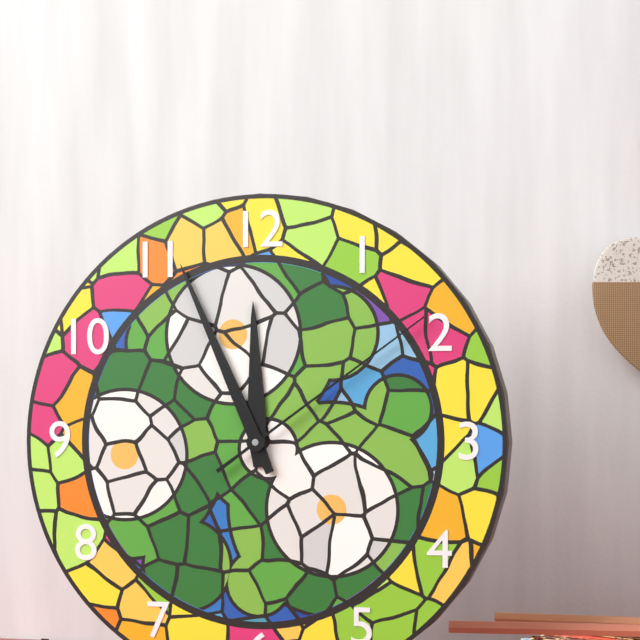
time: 11:56:09
